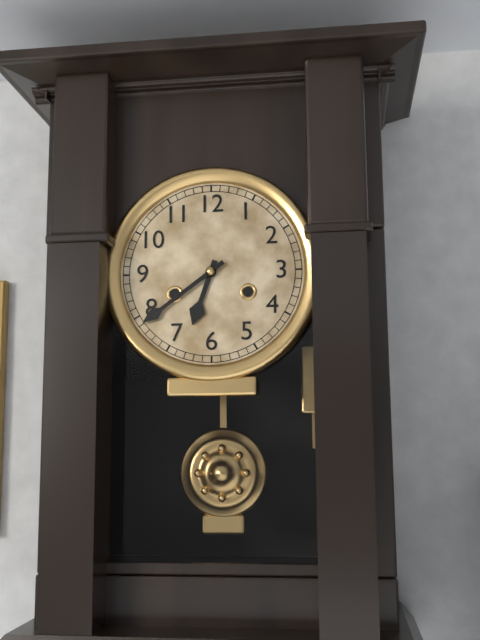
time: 6:39
